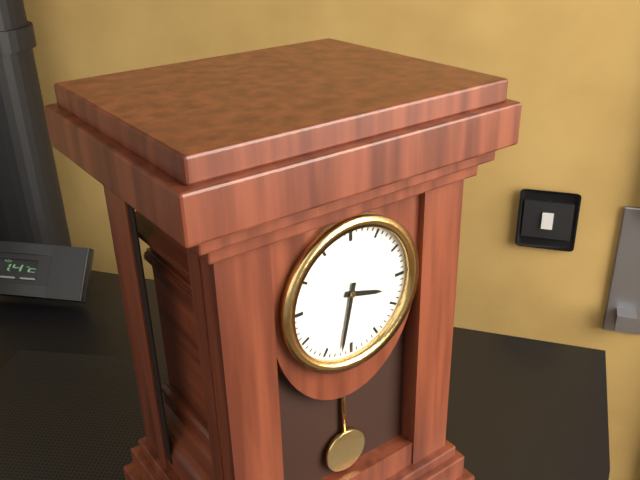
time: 3:32
